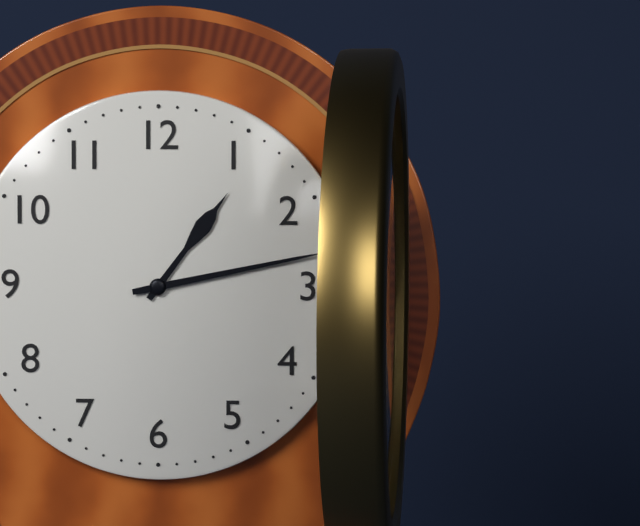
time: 1:13
